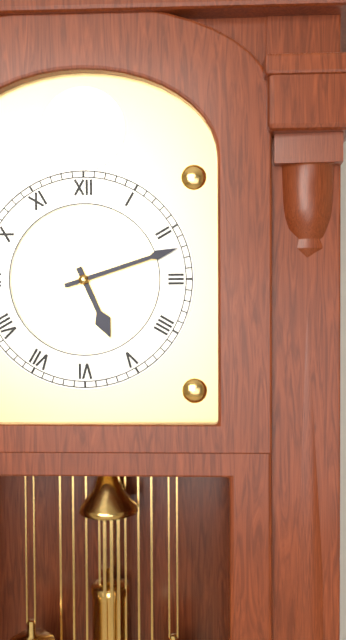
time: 5:12
